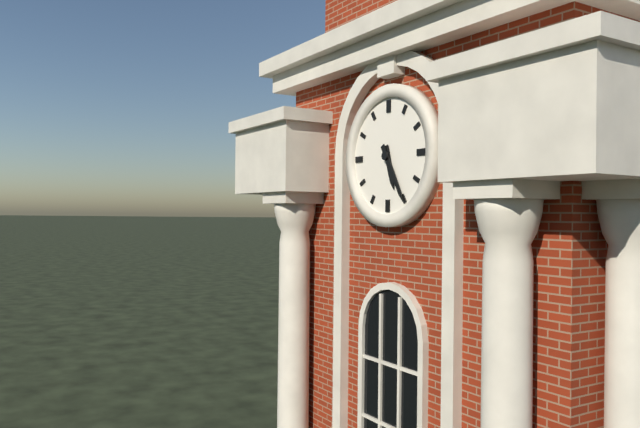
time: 5:25
